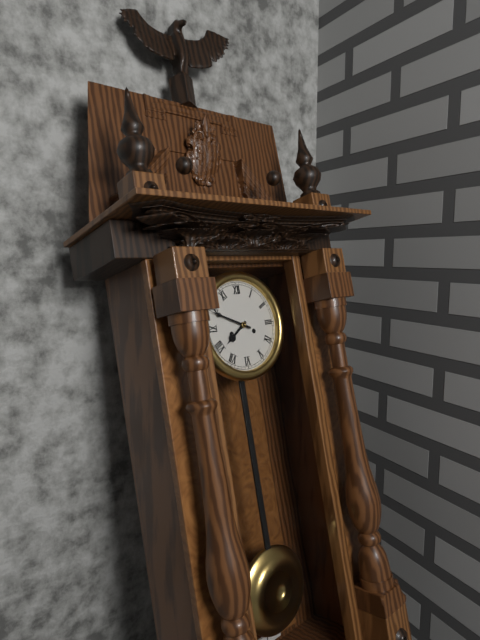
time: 7:49
